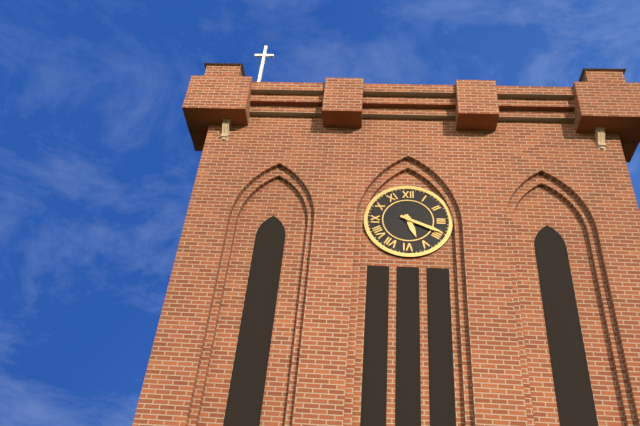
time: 5:19
